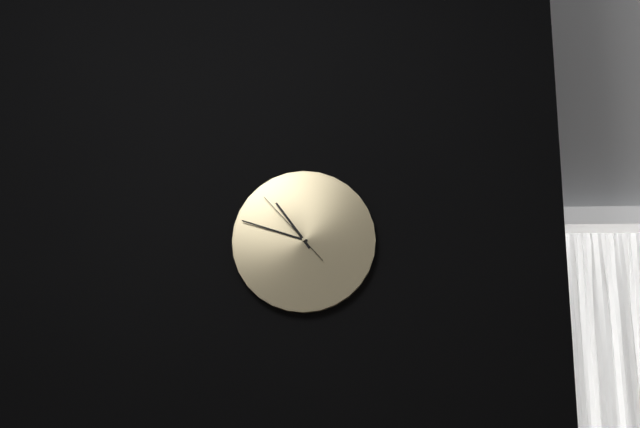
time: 10:48:53
